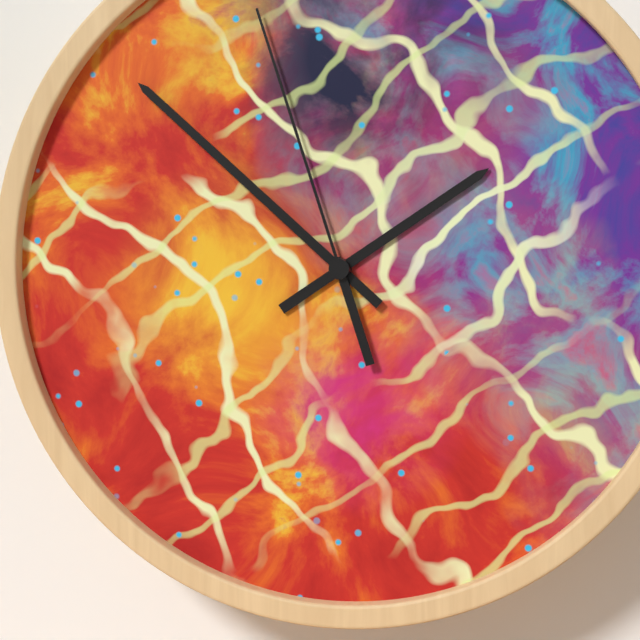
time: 1:52:57
